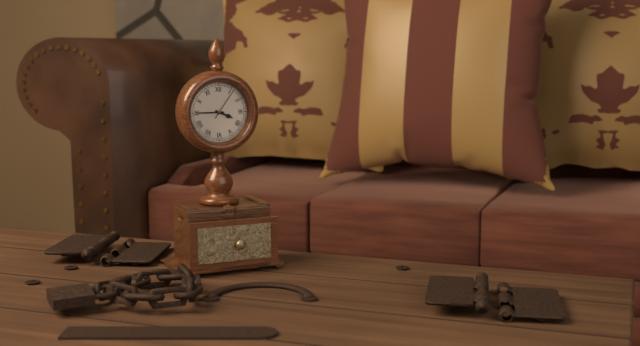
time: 3:45
